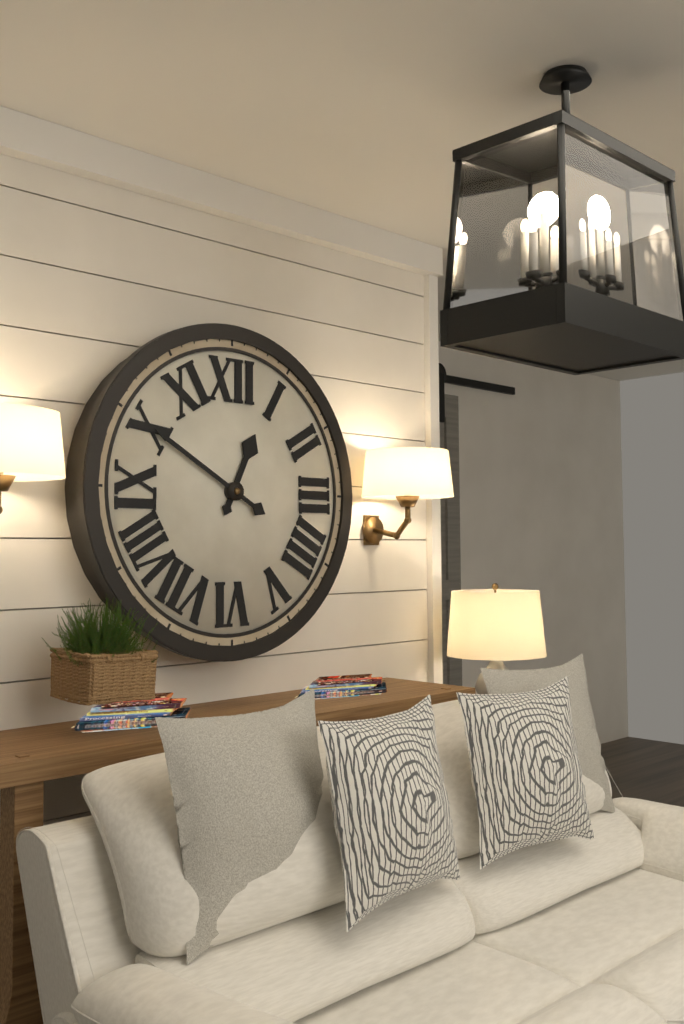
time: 12:50
